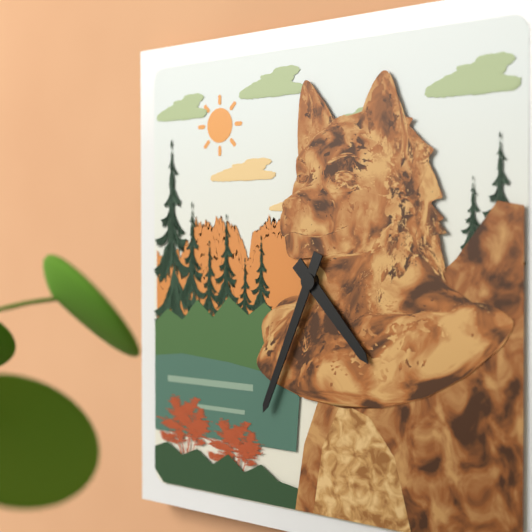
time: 4:34
